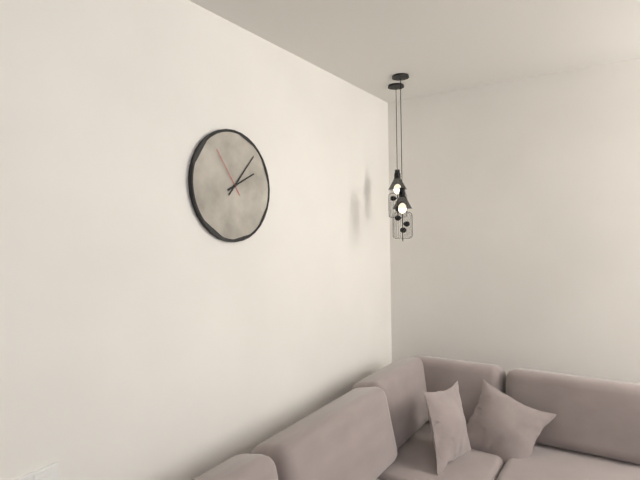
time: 2:07:54
